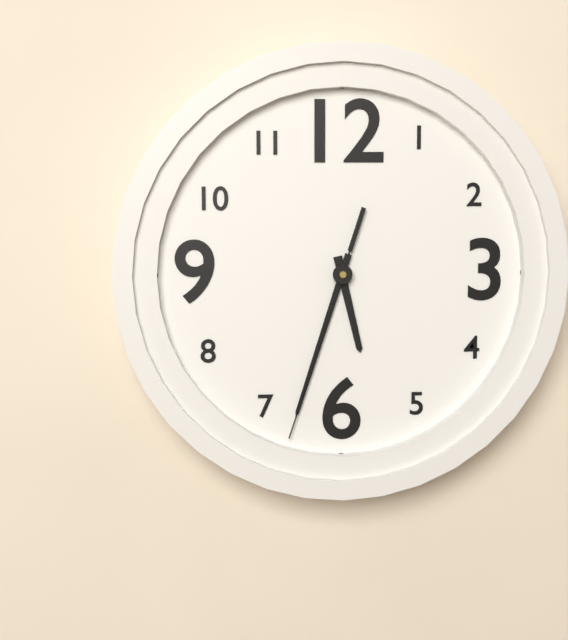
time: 5:33:33
